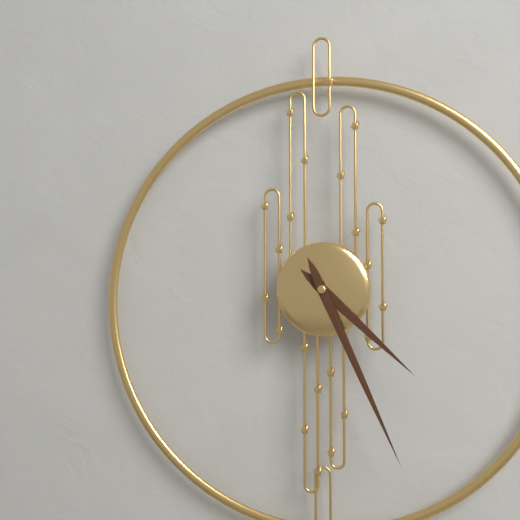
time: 4:26
